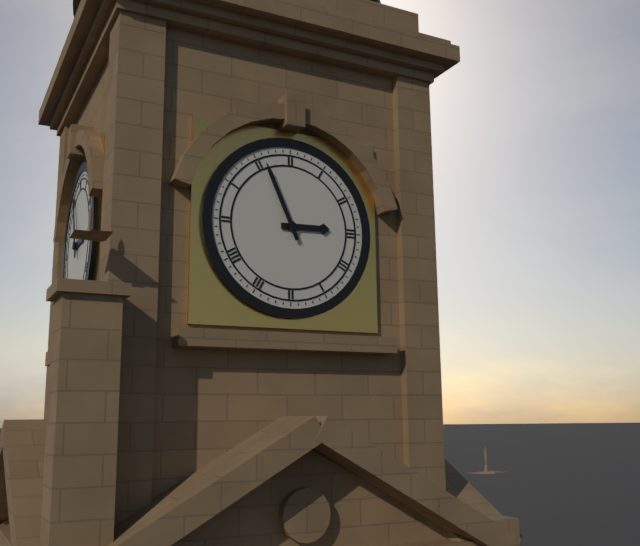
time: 2:56
